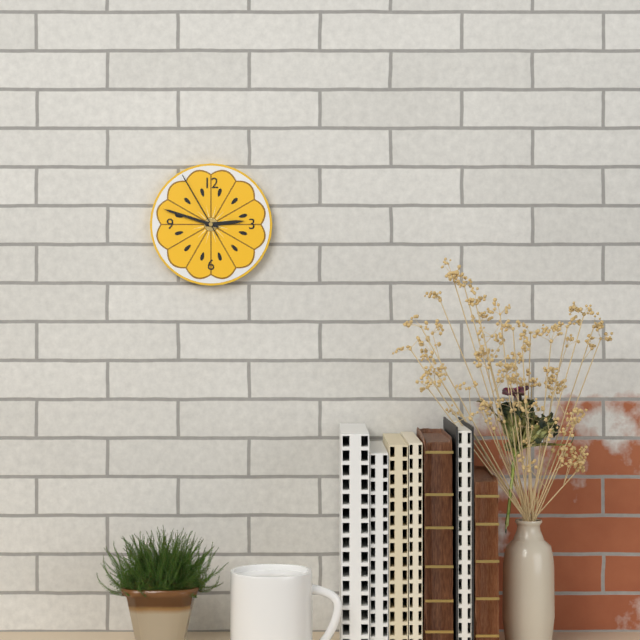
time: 2:48:55
